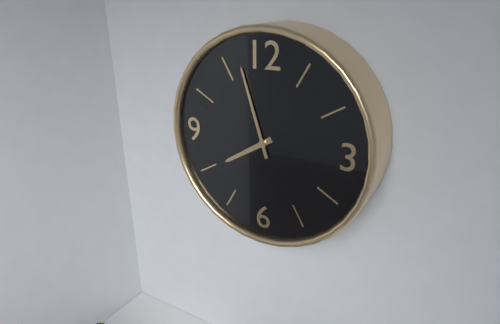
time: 7:57
